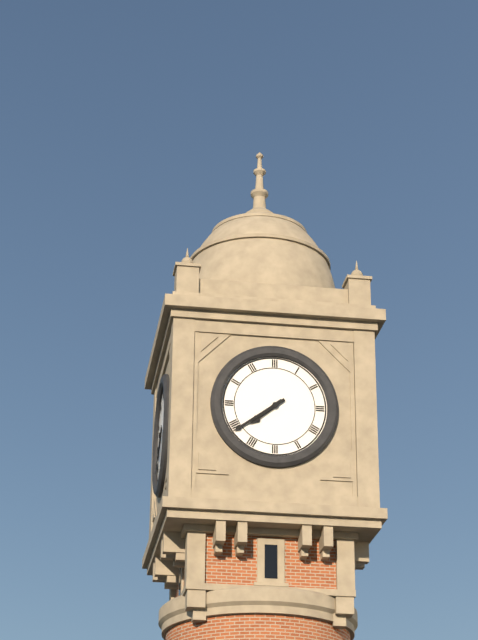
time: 7:39
